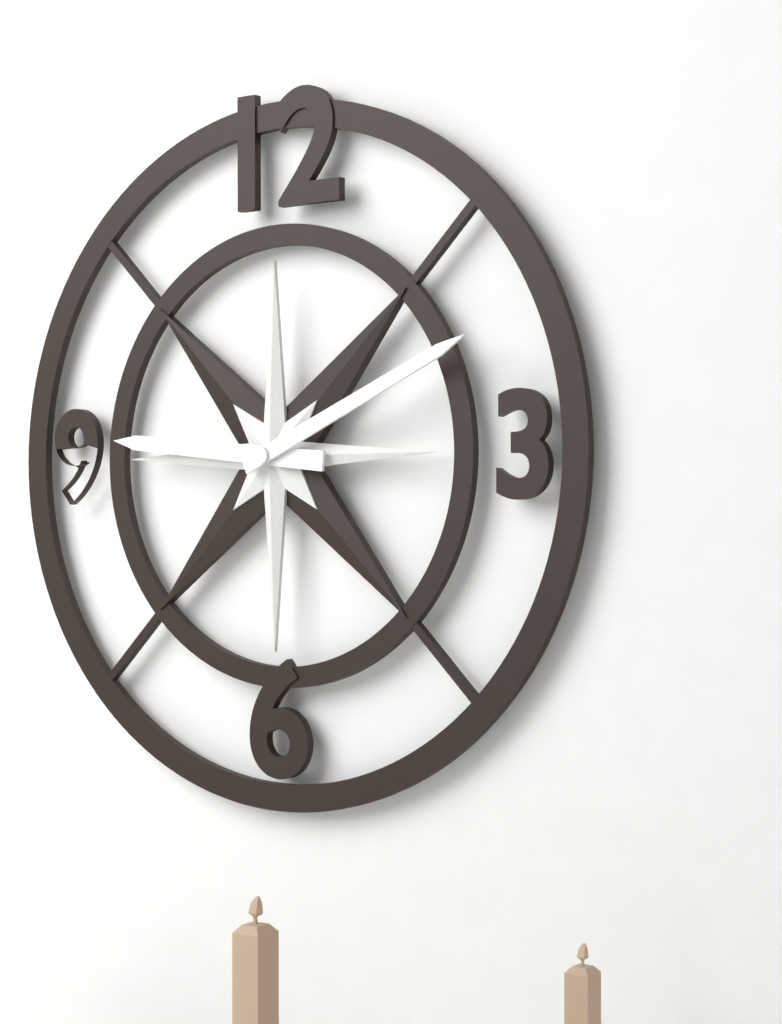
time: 9:11
